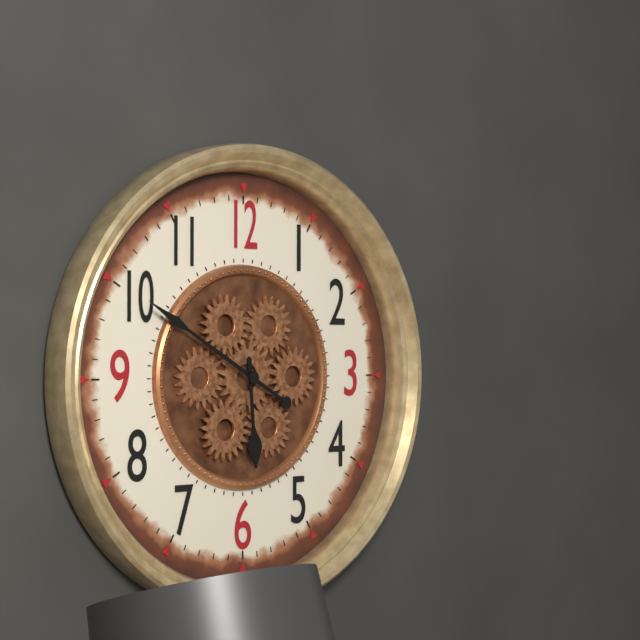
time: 5:50
